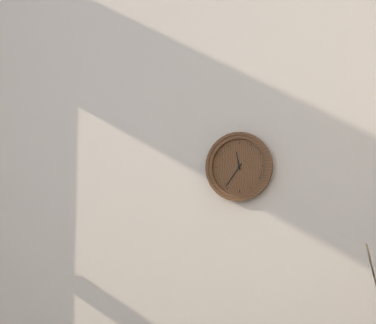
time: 11:36
